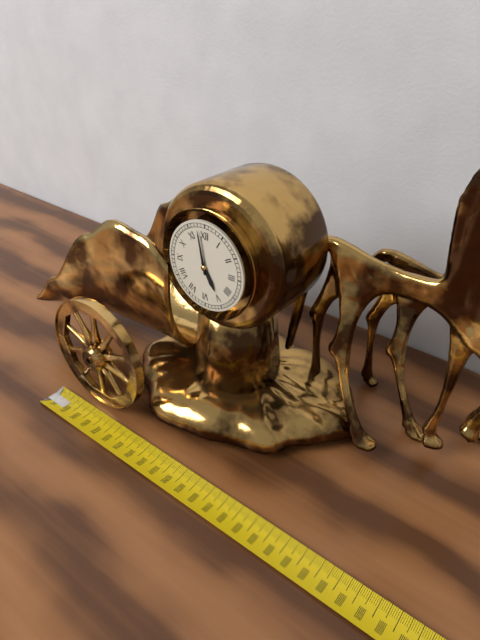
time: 4:58
